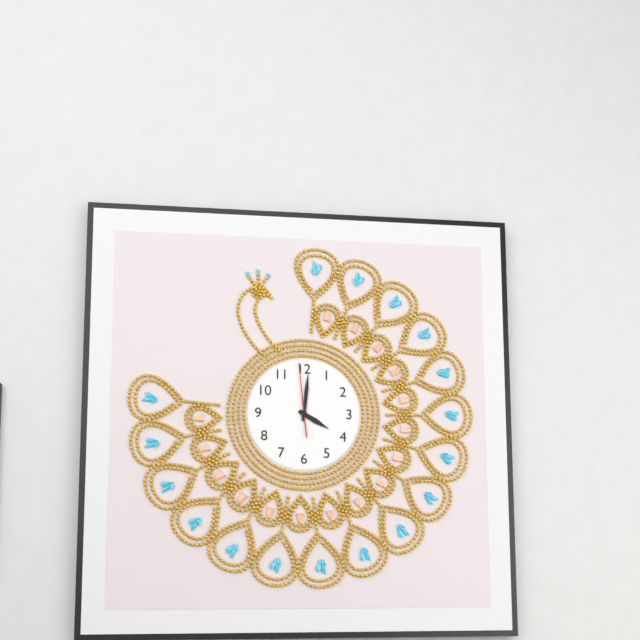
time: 4:01:59
